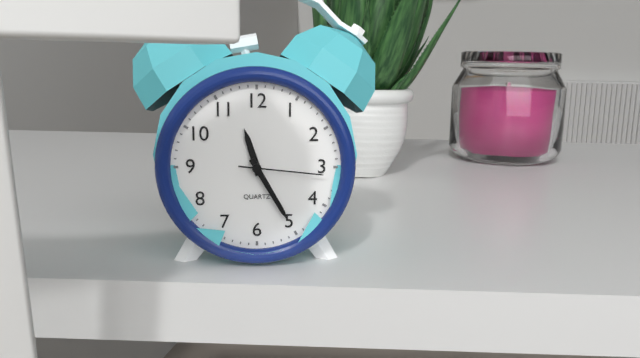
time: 11:25:16
